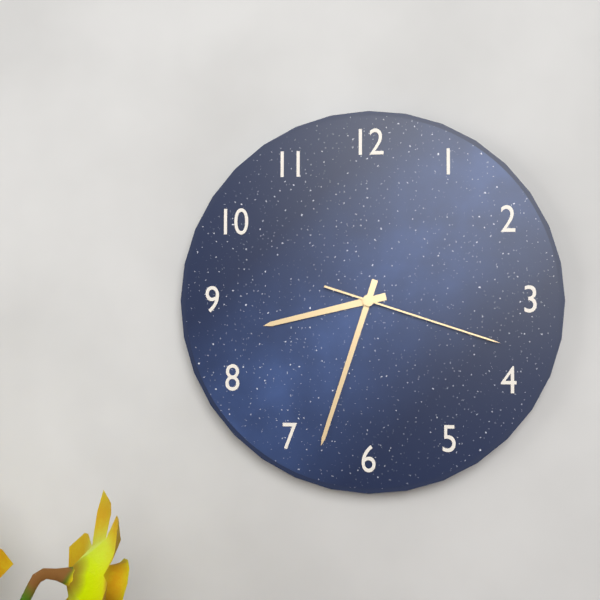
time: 8:33:18
